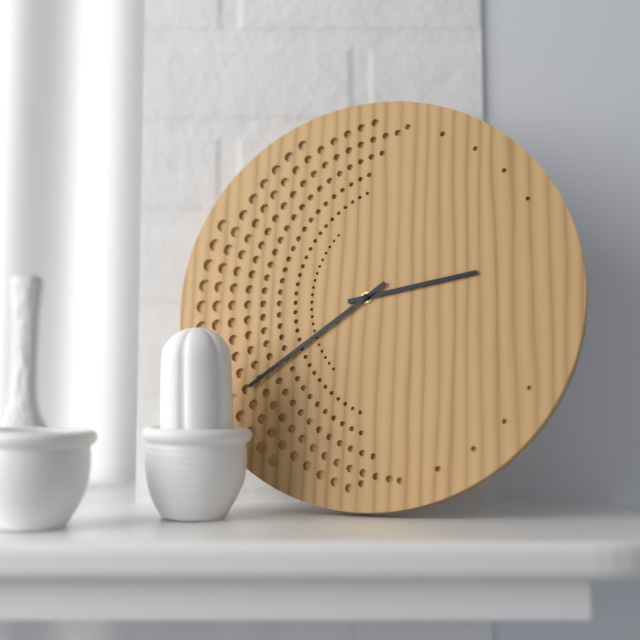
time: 2:39
